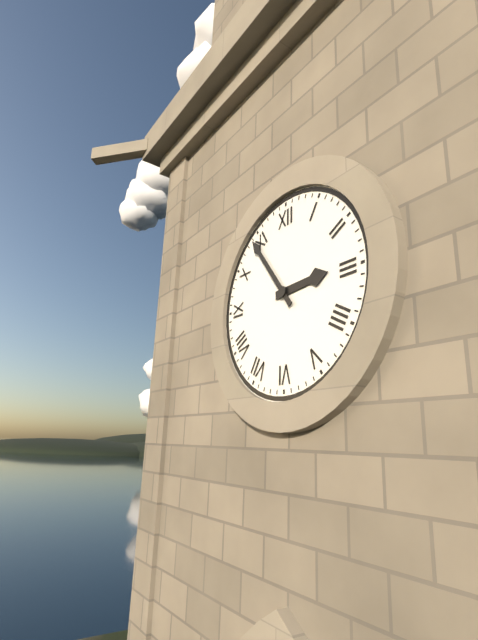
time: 2:54
